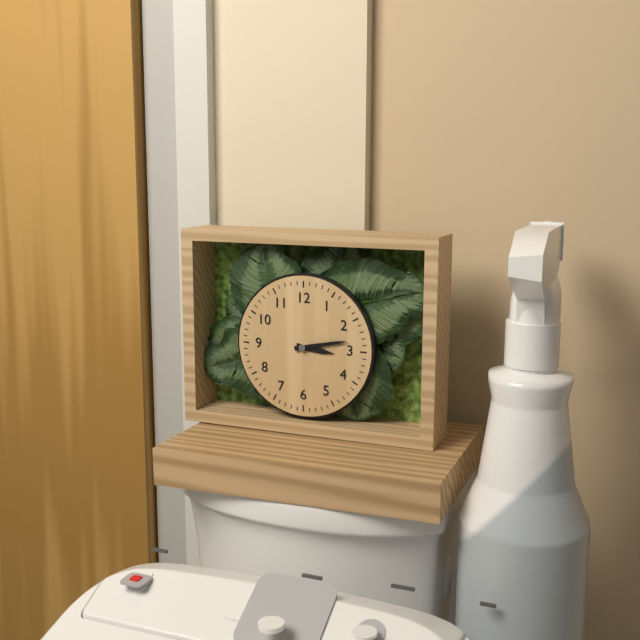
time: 3:13
